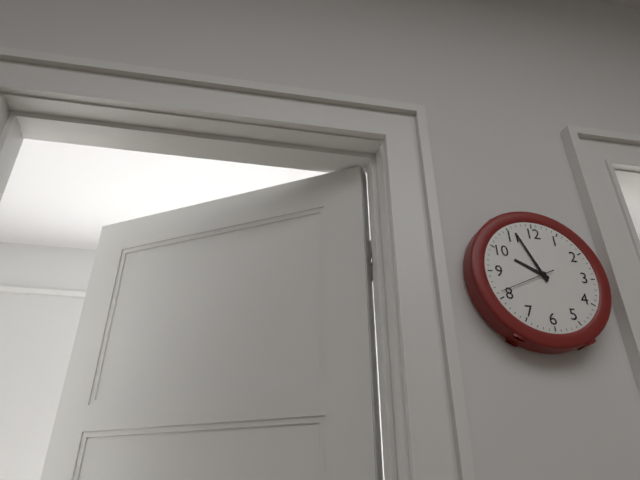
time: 9:56:41
